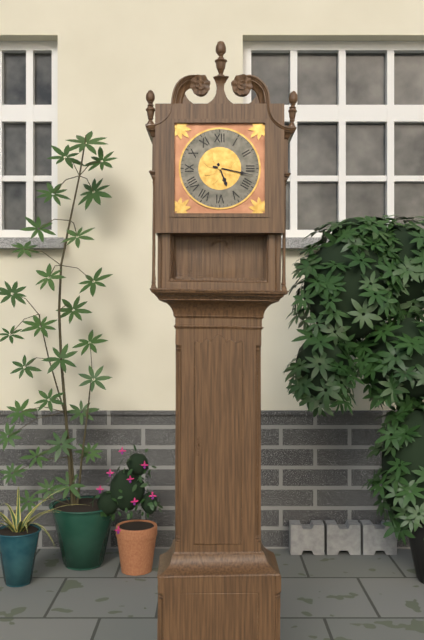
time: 5:17
